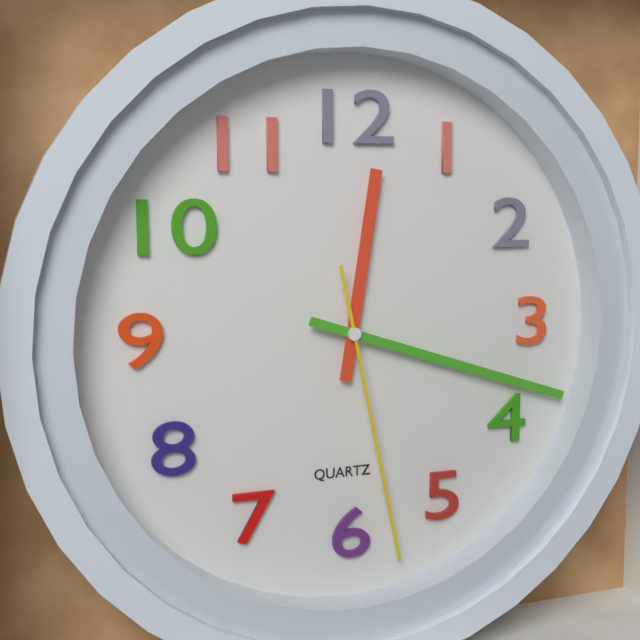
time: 12:18:28
